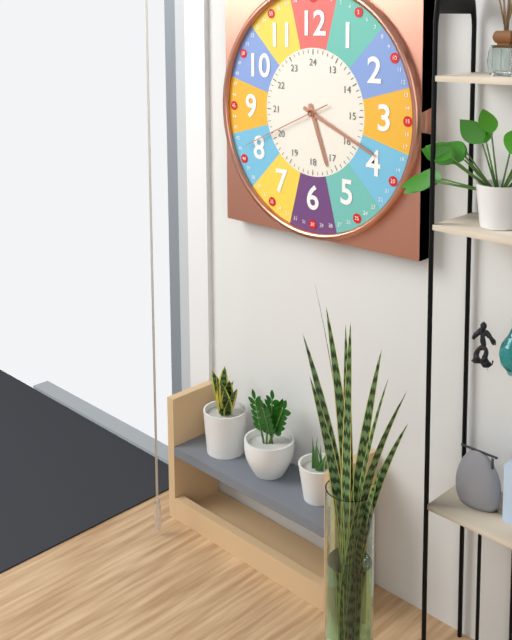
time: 5:19:41
